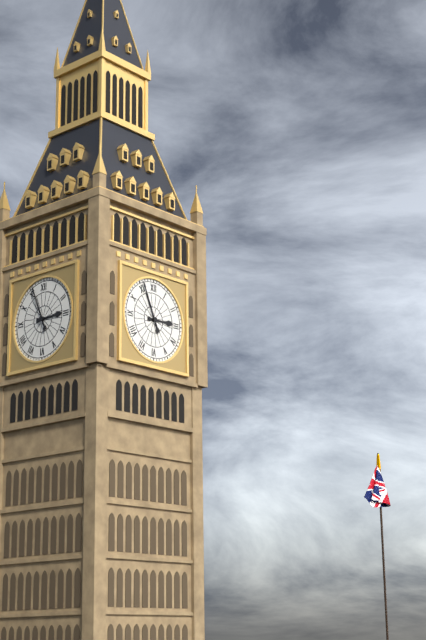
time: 2:56
